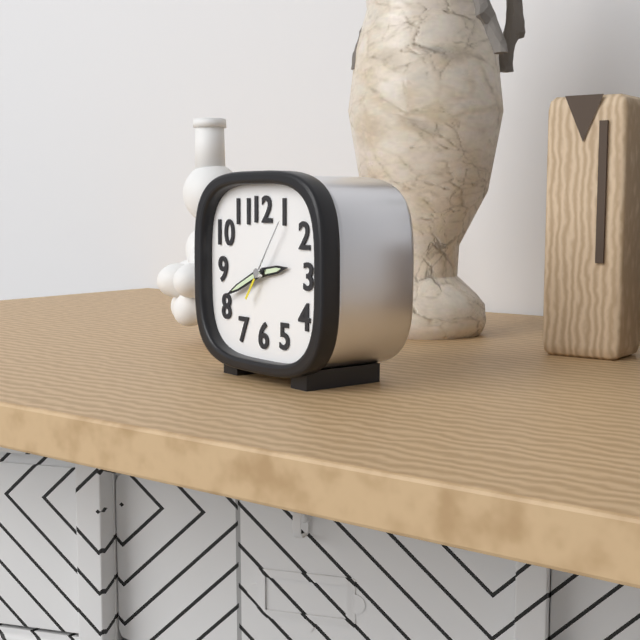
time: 2:41:06
